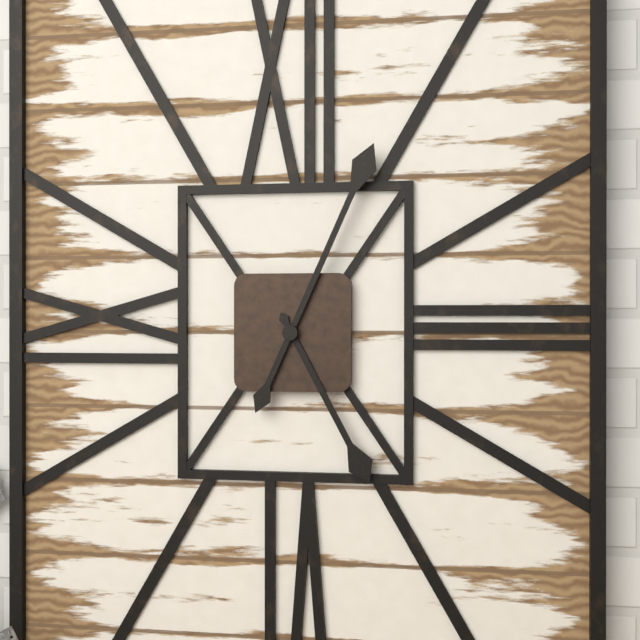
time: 5:04
